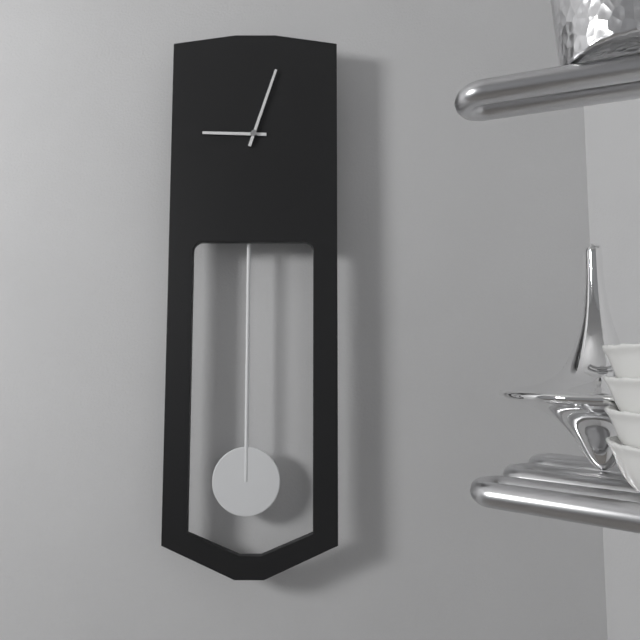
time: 9:03
